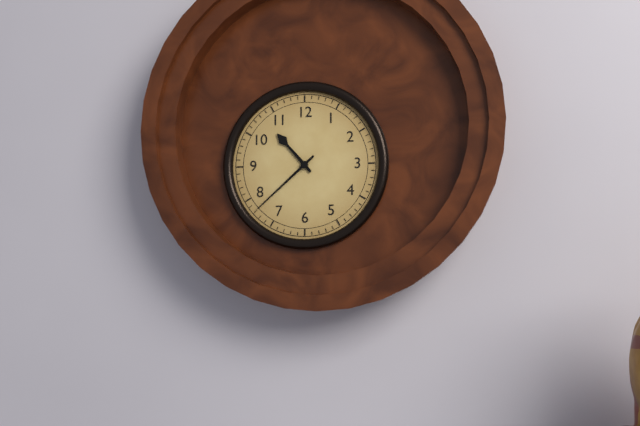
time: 10:38
